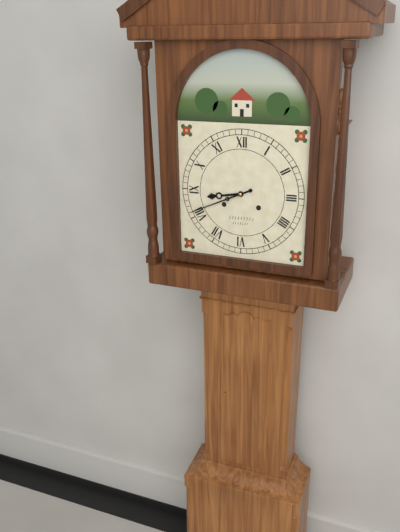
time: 8:41
